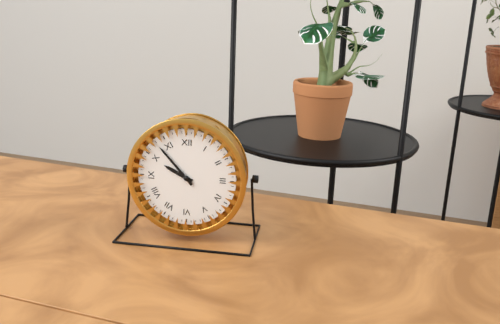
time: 9:53
